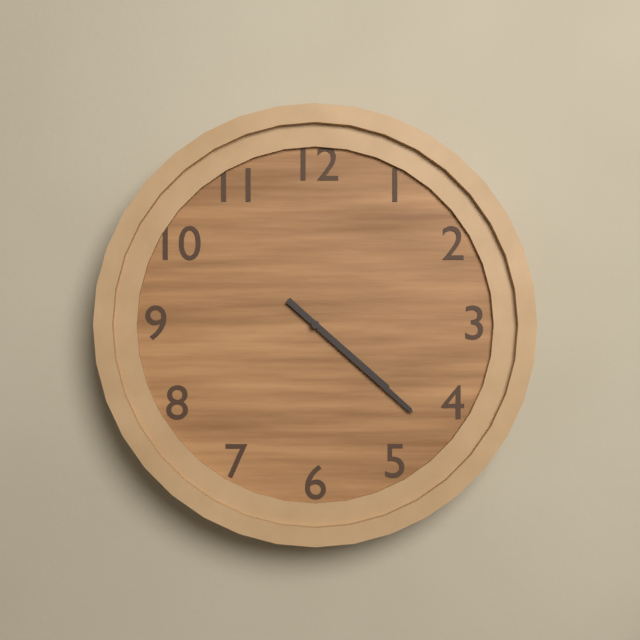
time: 4:22
